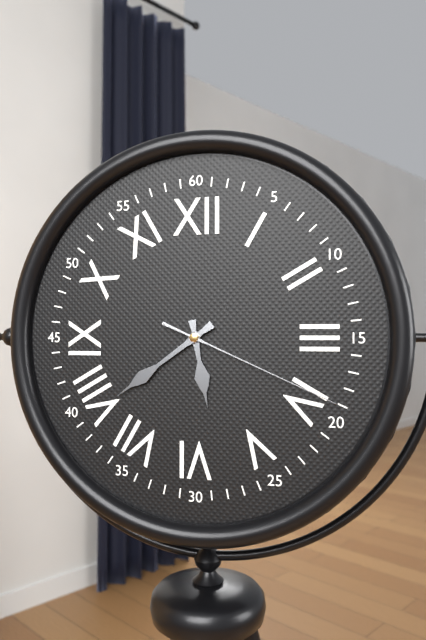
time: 5:39:19
